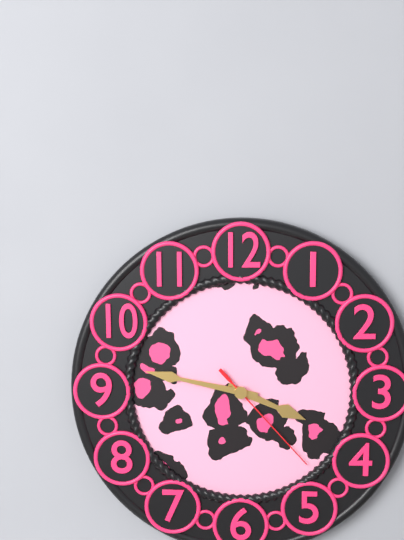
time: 3:47:23
